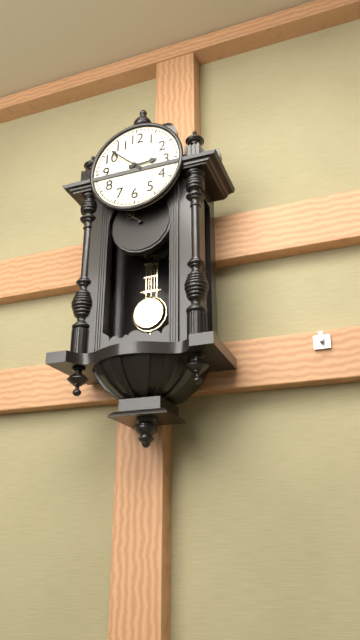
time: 2:52
